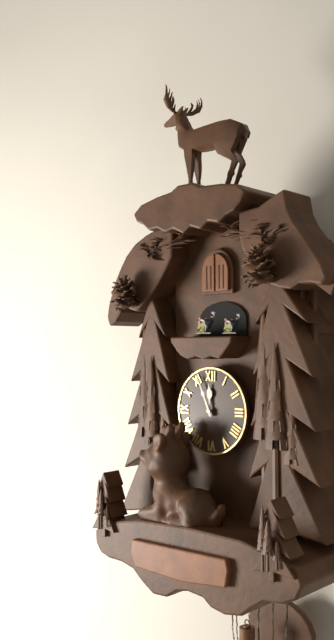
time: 11:56
